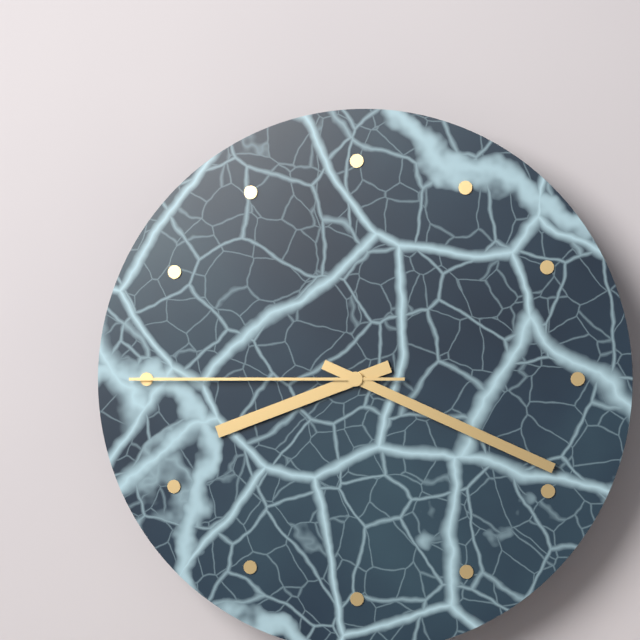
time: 8:19:45
